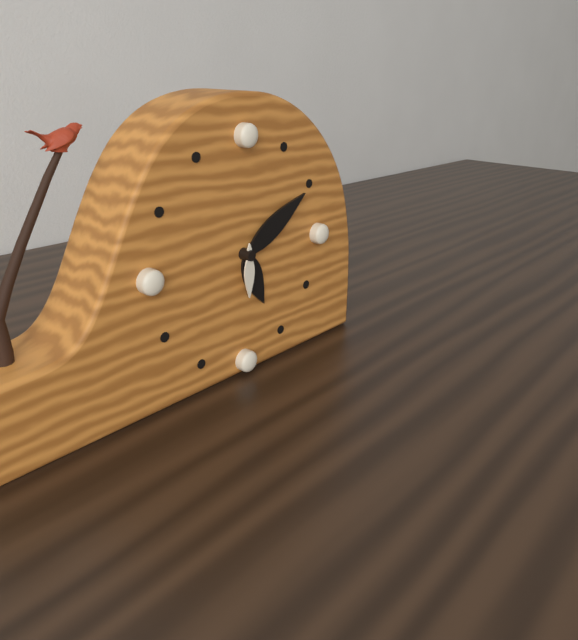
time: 5:10:30
